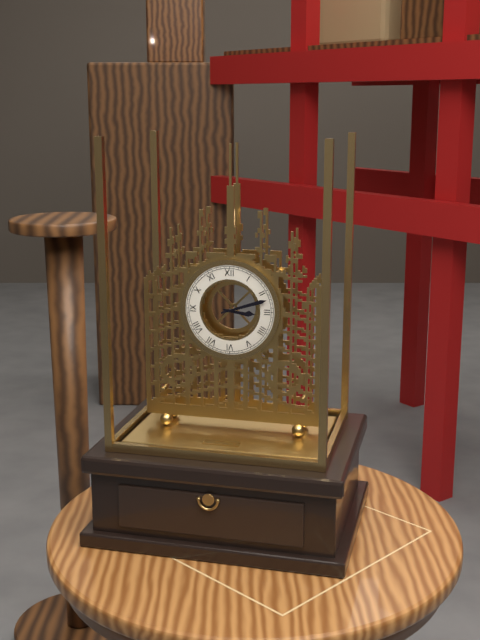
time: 3:12
